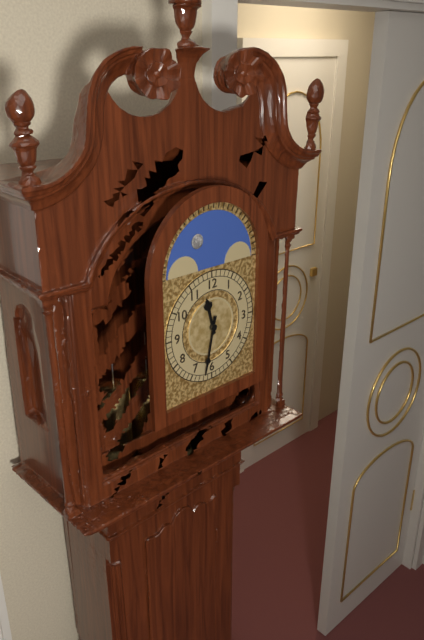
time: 11:32
